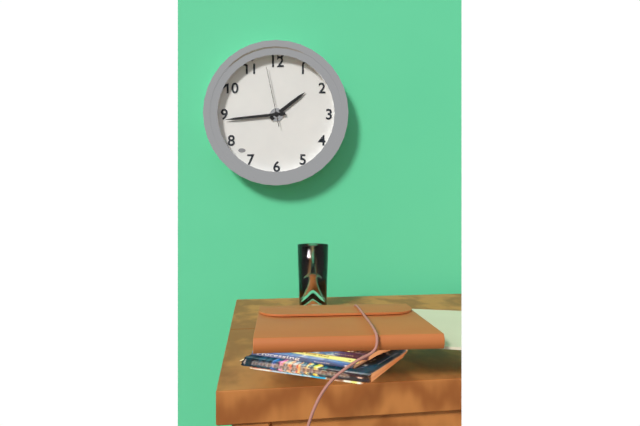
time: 1:44:58
